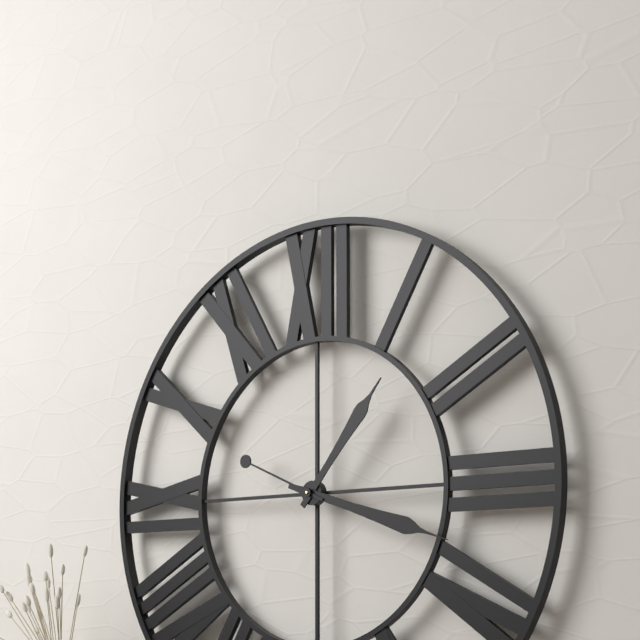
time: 1:18:49
